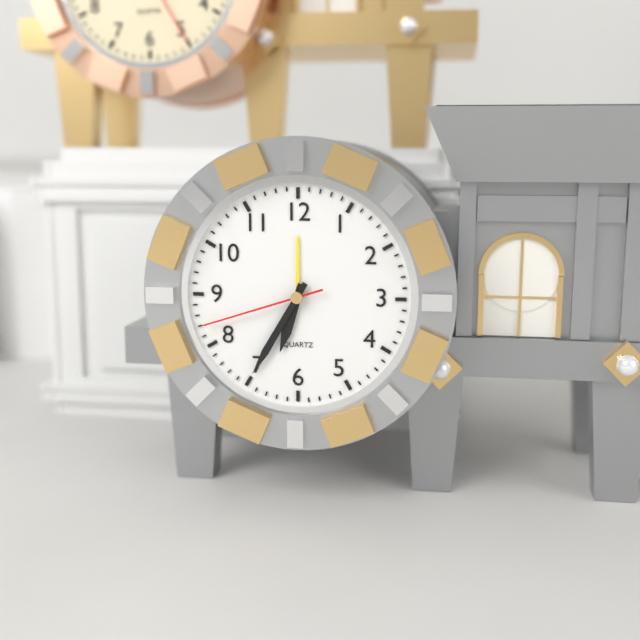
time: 6:35:42
